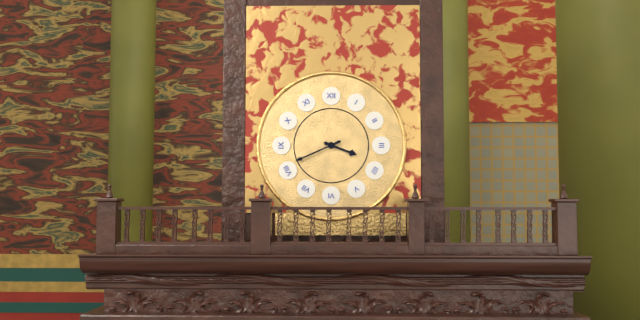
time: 3:41
